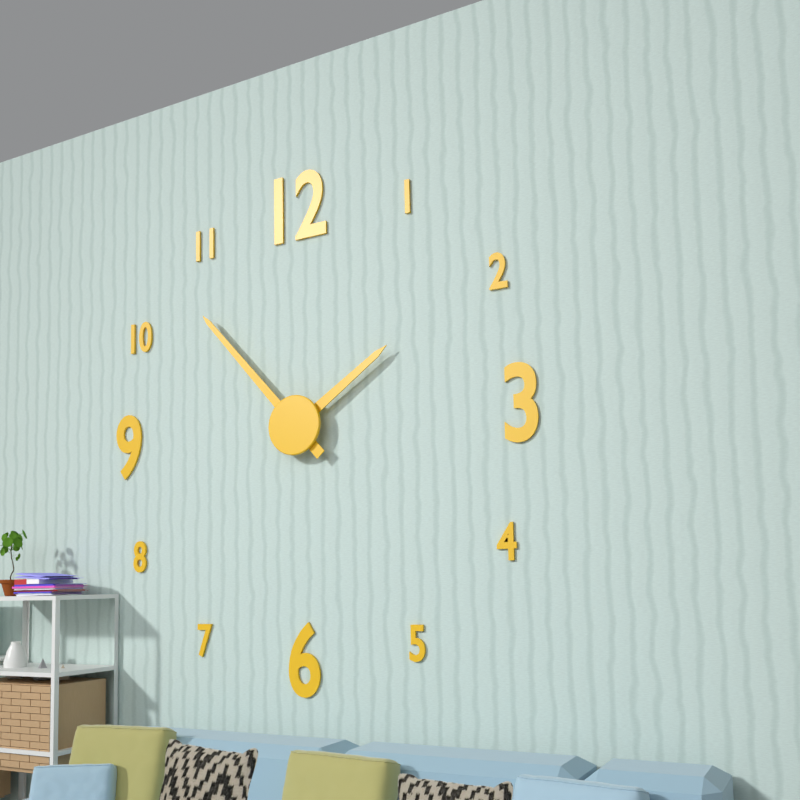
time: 1:53
